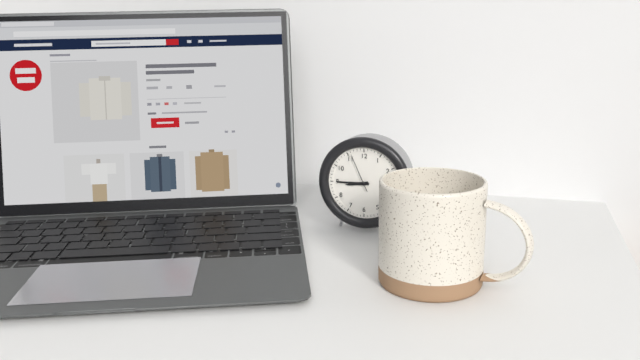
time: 8:45
